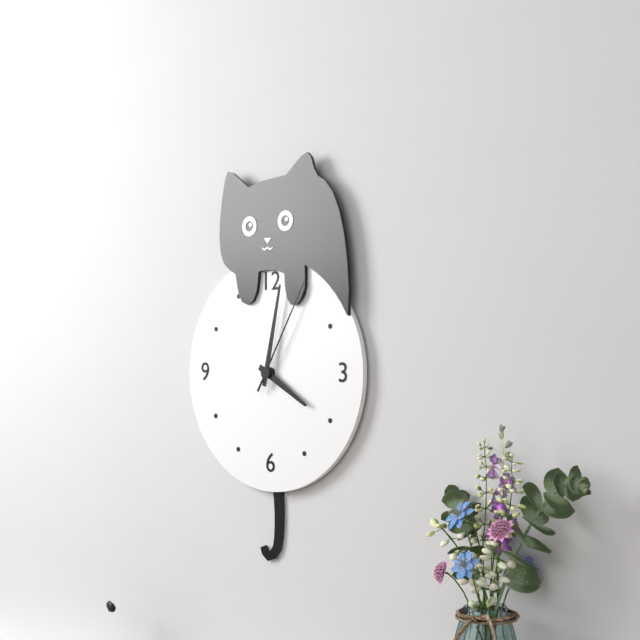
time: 4:02:05
